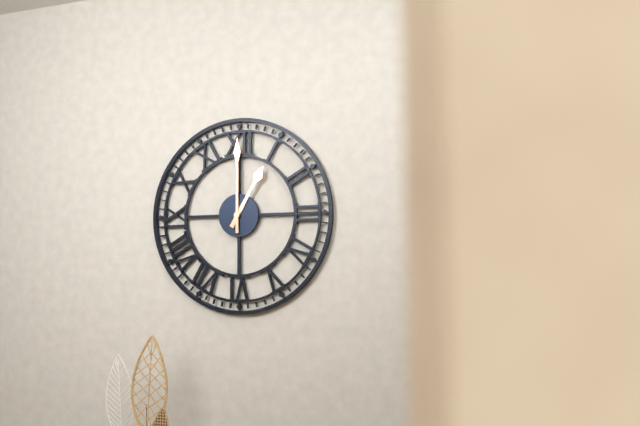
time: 1:00
